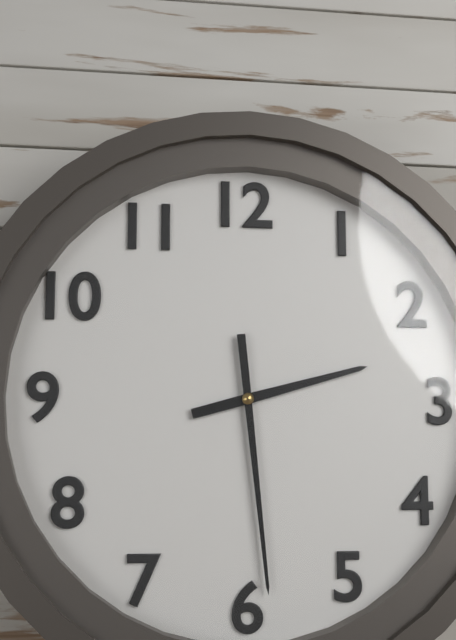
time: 2:29
